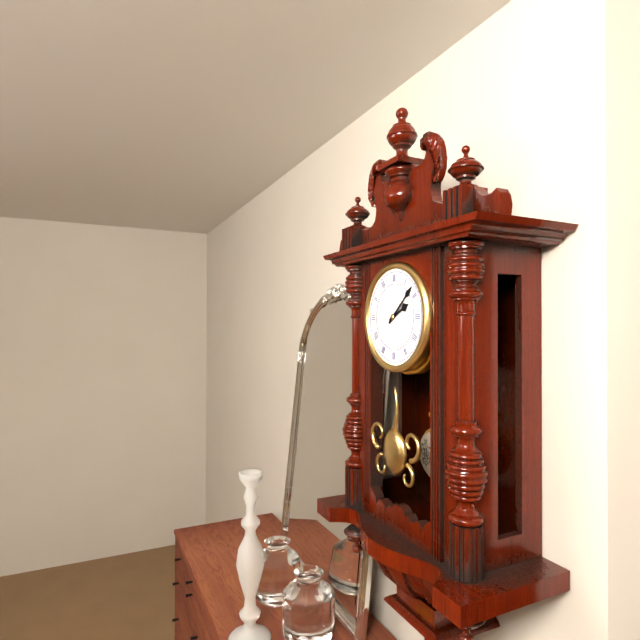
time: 2:08
